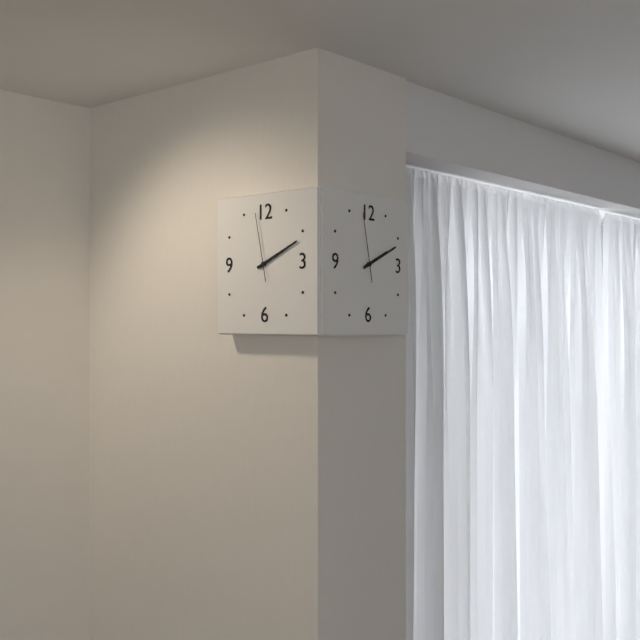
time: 2:11:58
